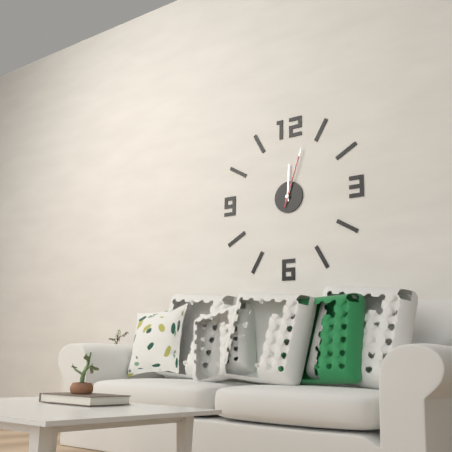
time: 12:03:03
